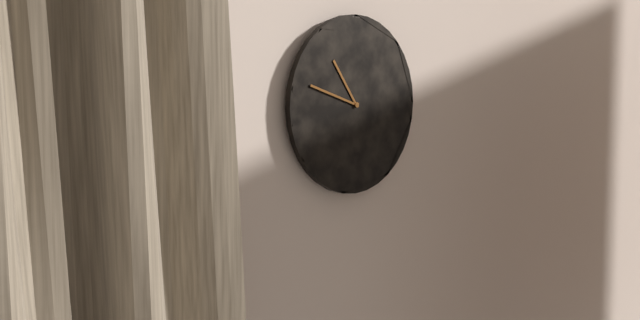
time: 10:48
